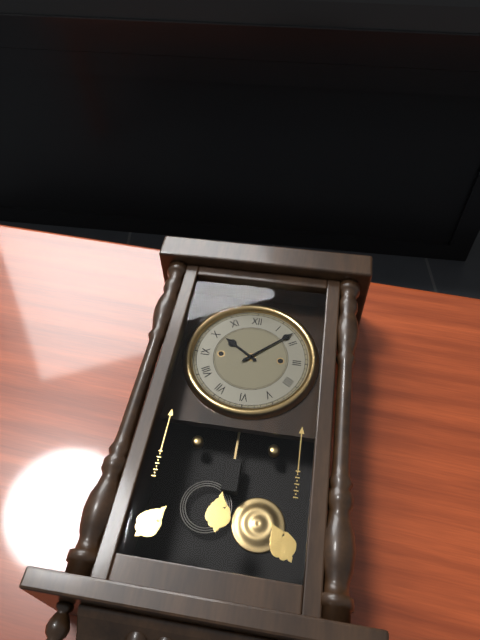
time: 10:08
